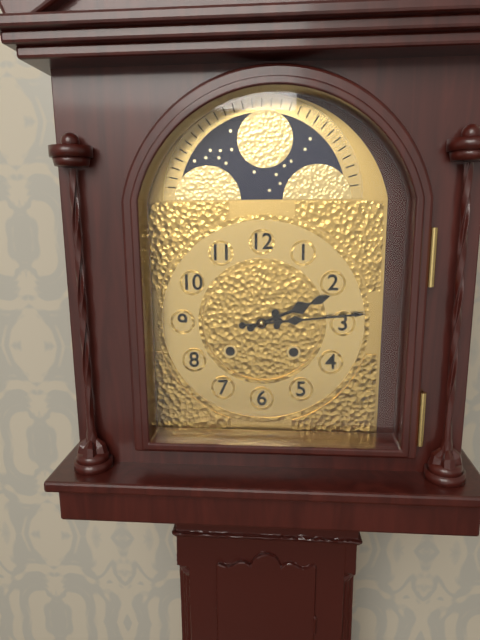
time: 2:14
